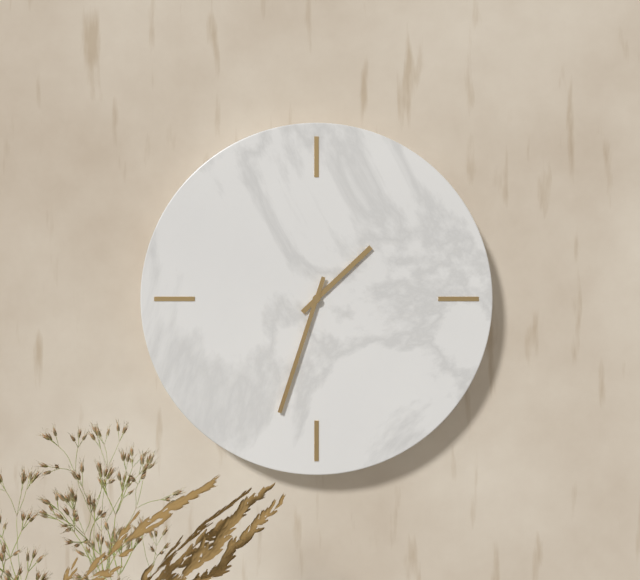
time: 1:33
